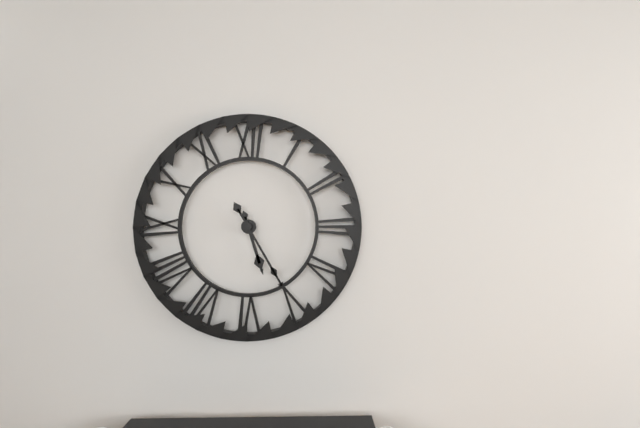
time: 5:25
